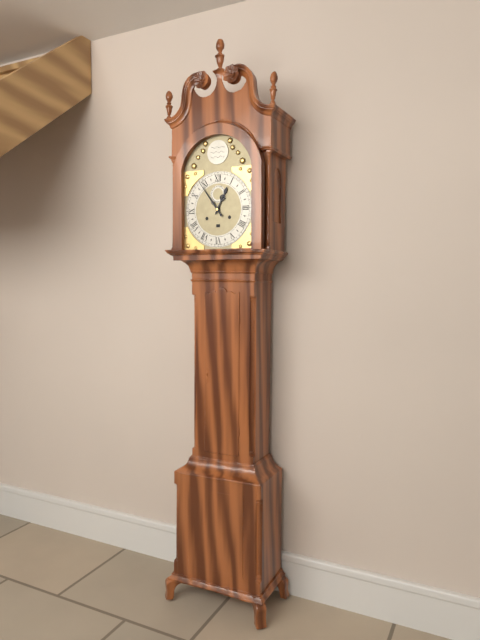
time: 12:54
